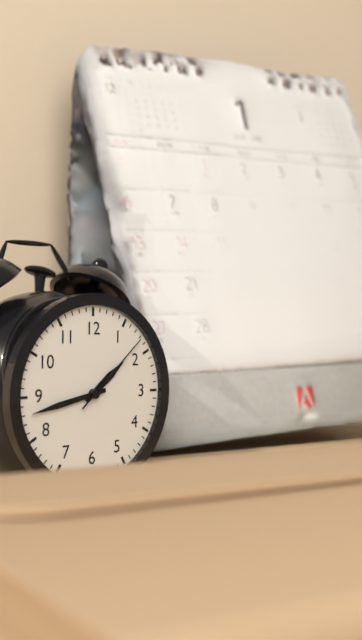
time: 1:43:08
